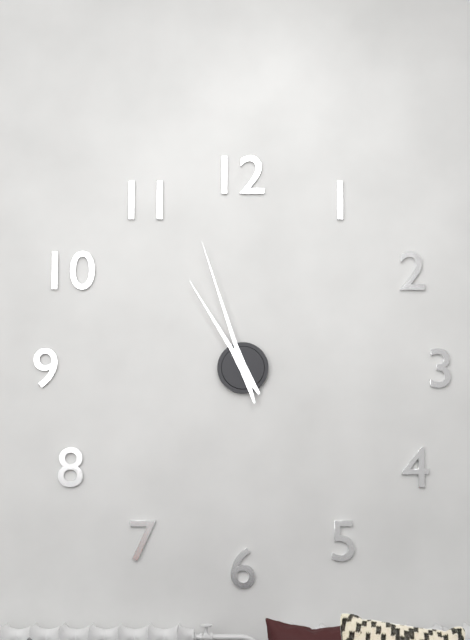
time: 10:57
